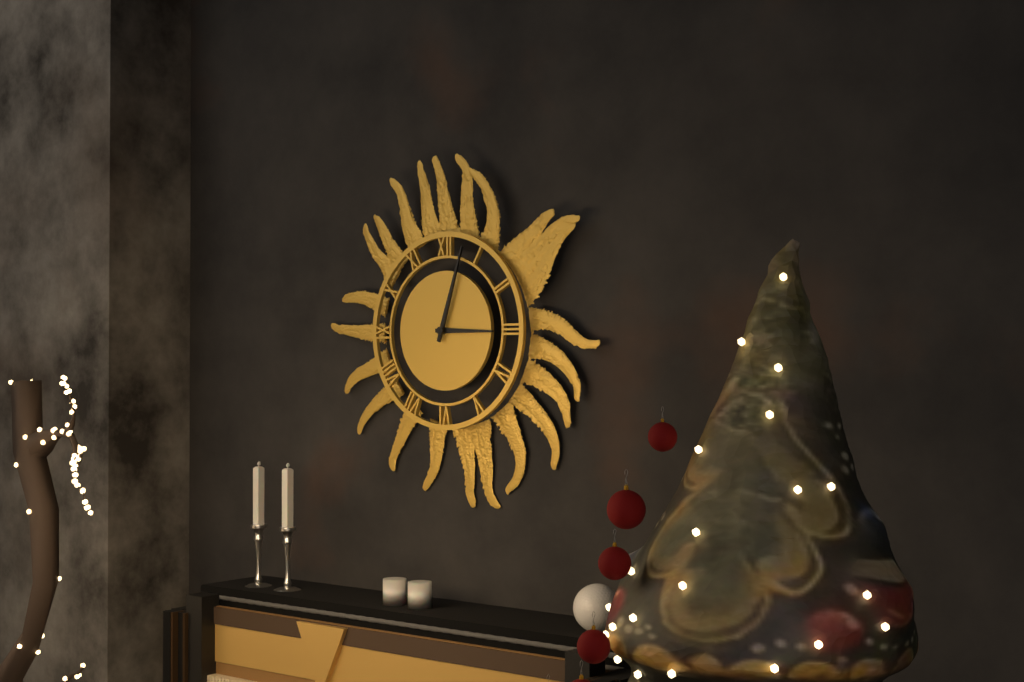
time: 3:03
